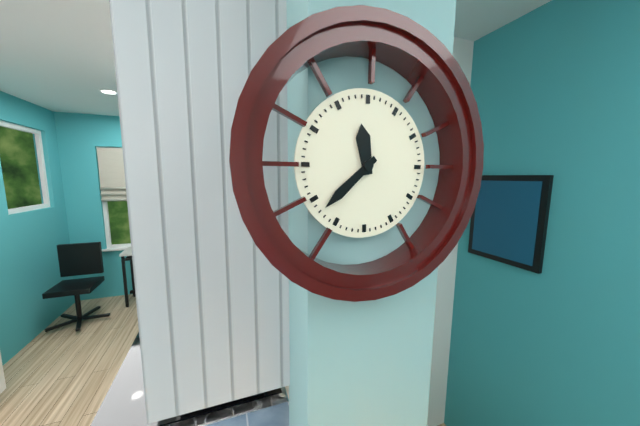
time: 11:38
